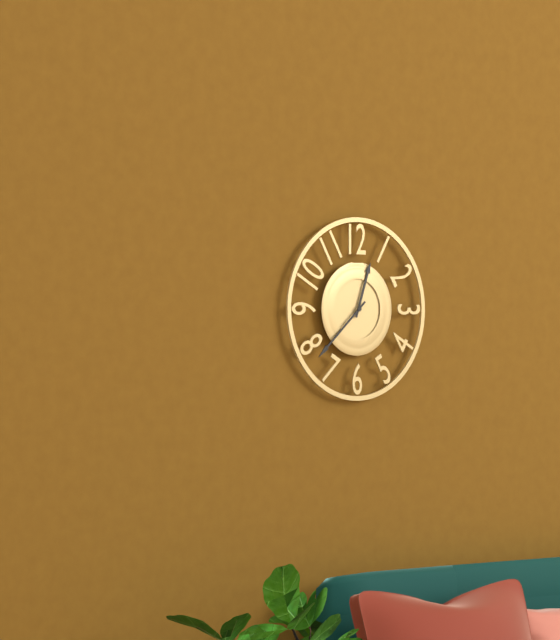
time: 12:38
